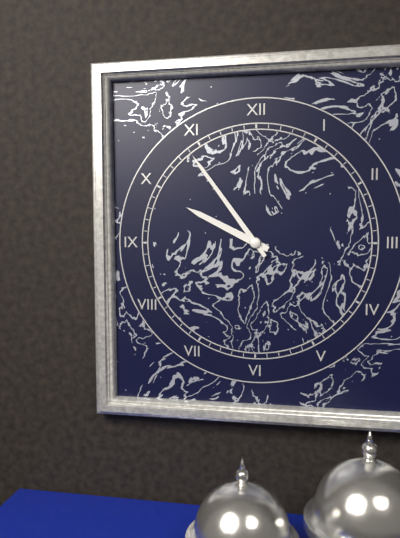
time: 9:54
